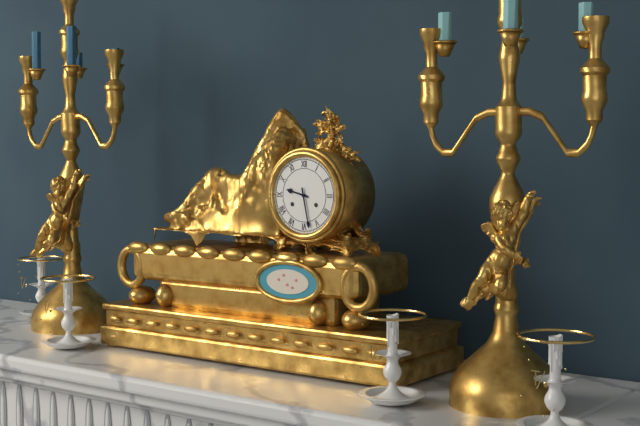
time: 9:28
